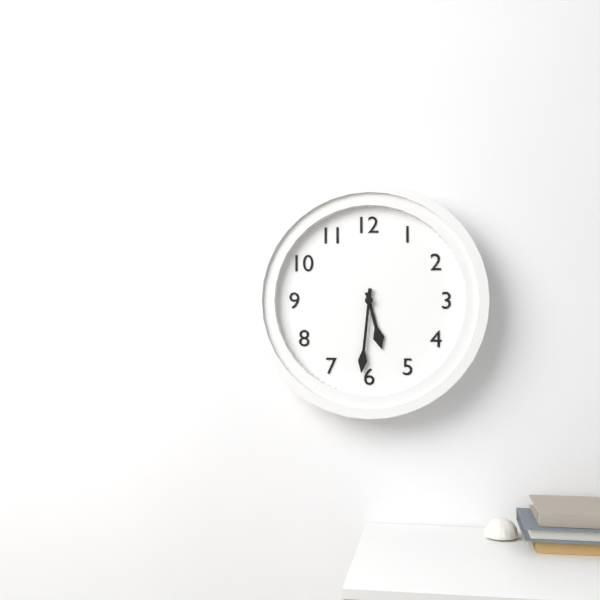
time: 5:31
